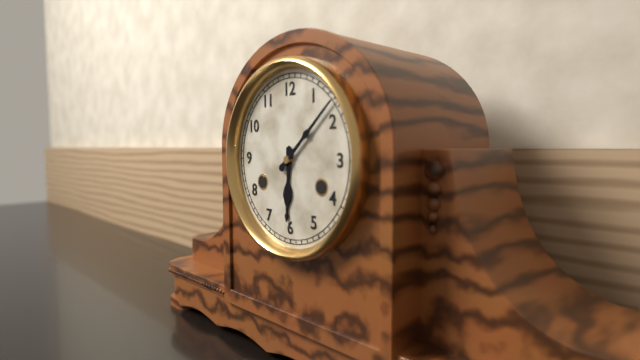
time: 6:08
